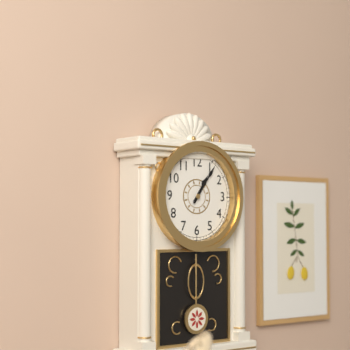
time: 1:06
